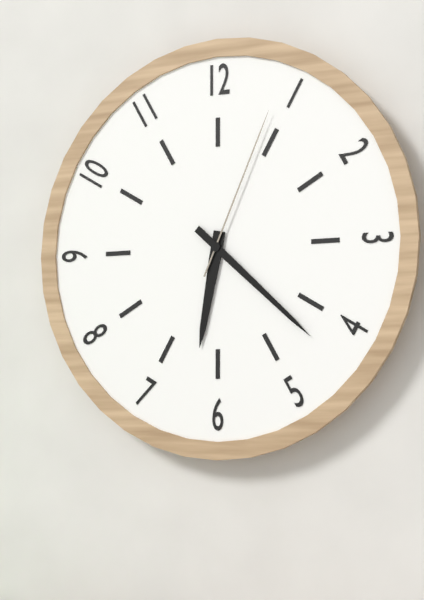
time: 6:22:04
